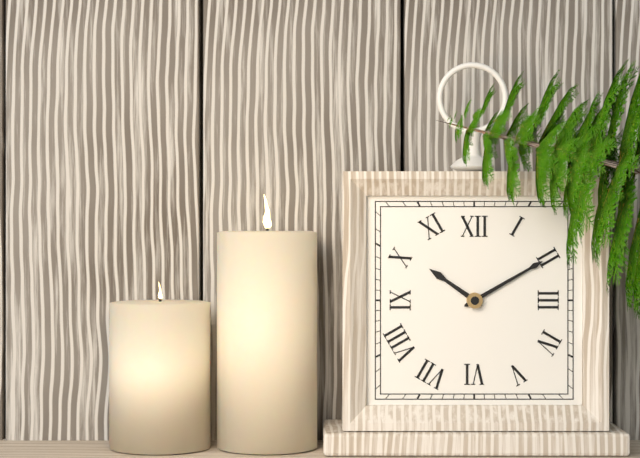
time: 10:10
